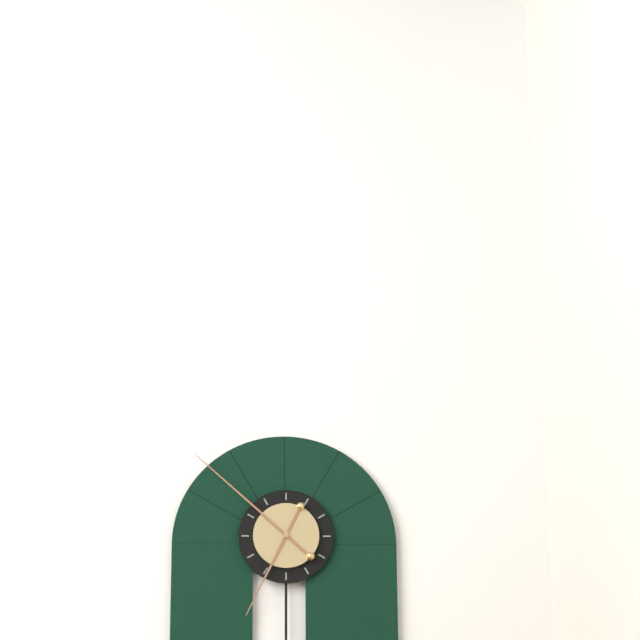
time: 6:52
